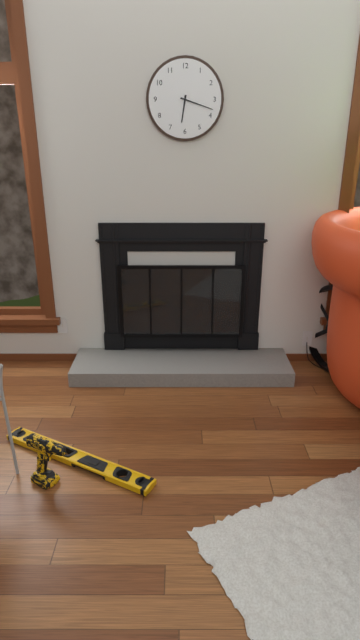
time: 6:18
